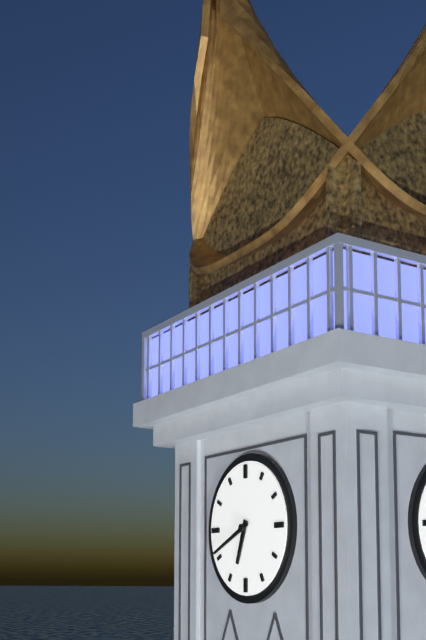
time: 6:41
